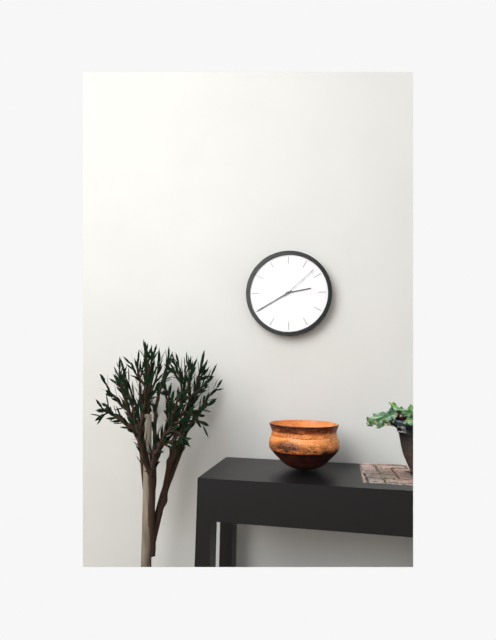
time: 2:40
